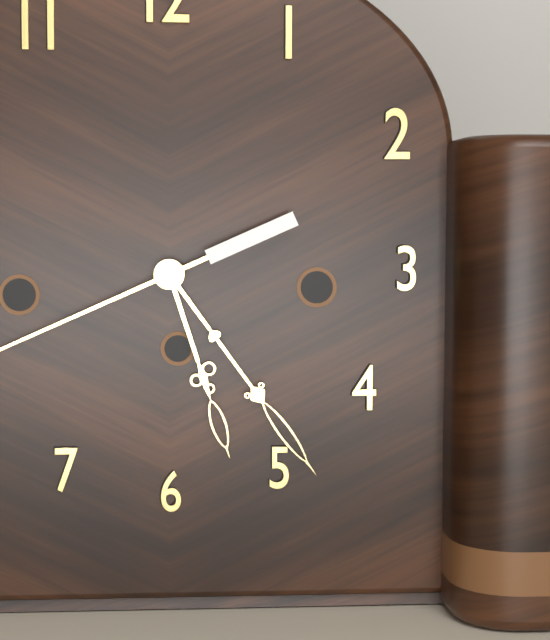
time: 5:24
